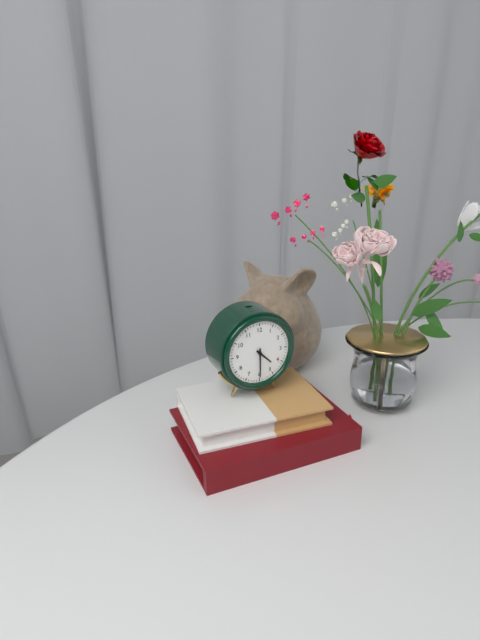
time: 4:30
